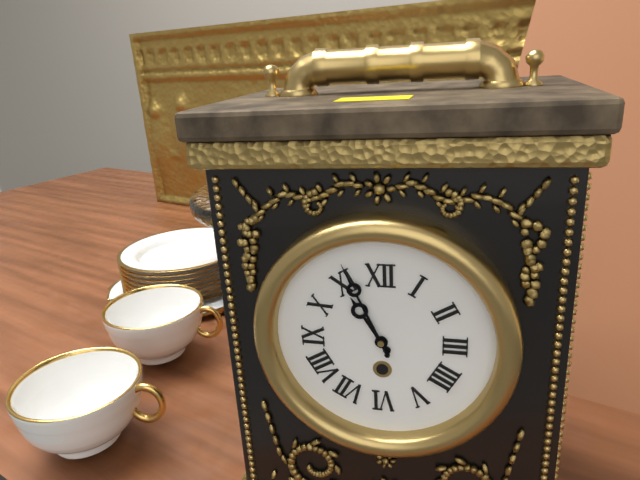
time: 10:56
